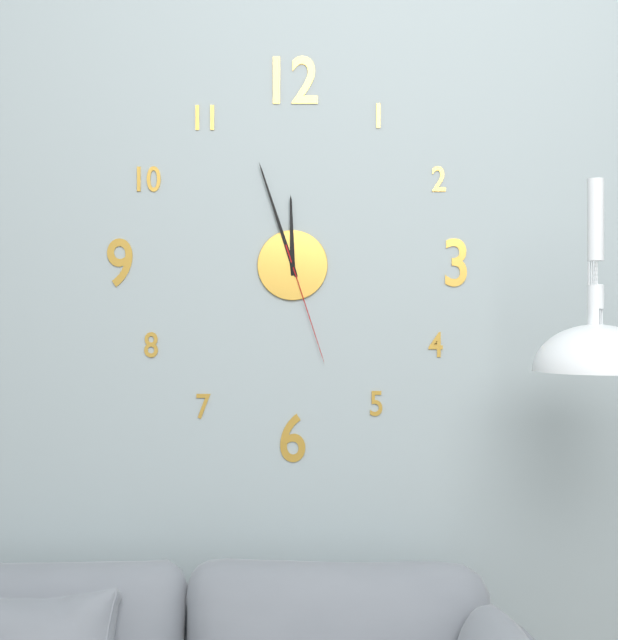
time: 11:57:27
